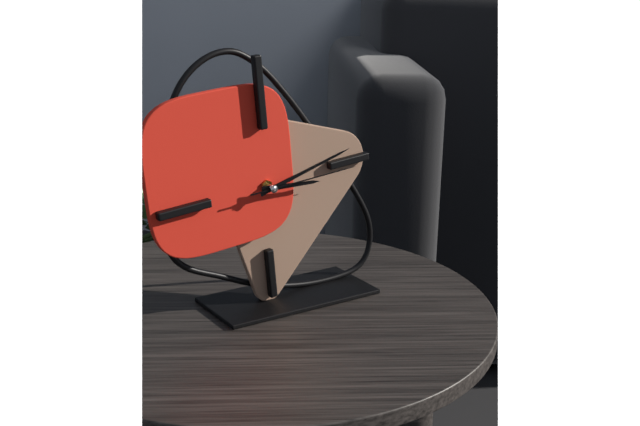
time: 3:13:15
